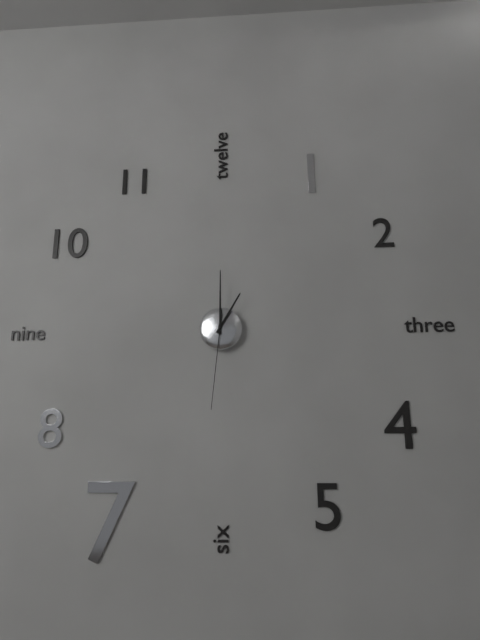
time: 1:00:31
